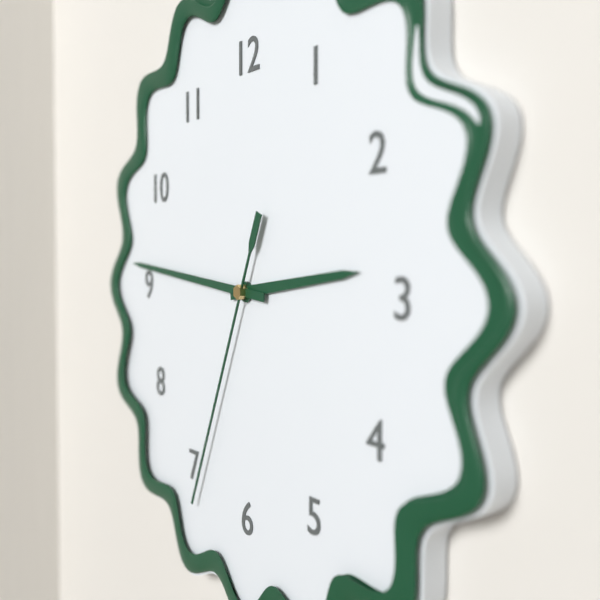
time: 2:46:34
